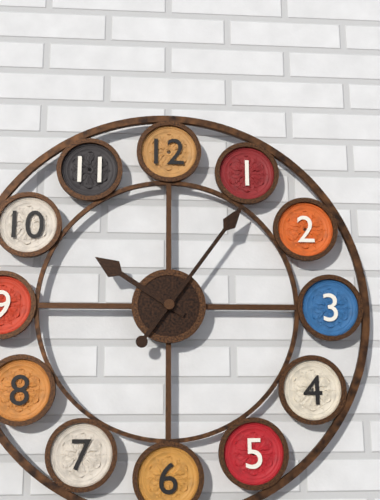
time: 10:06
